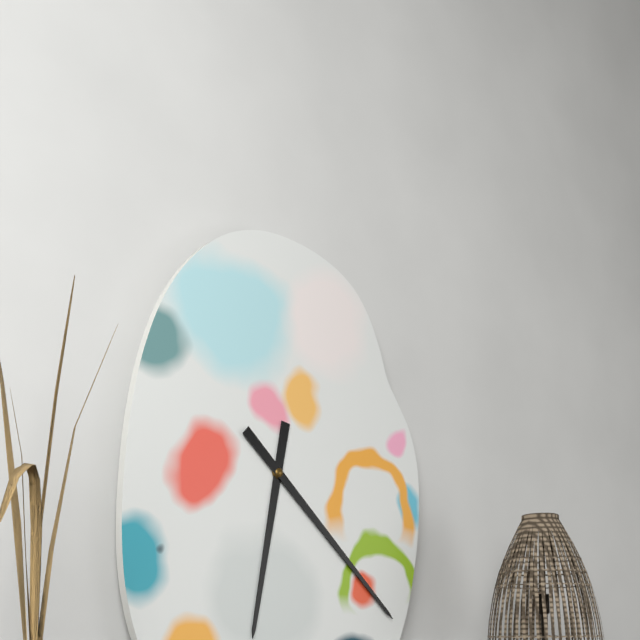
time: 6:22
